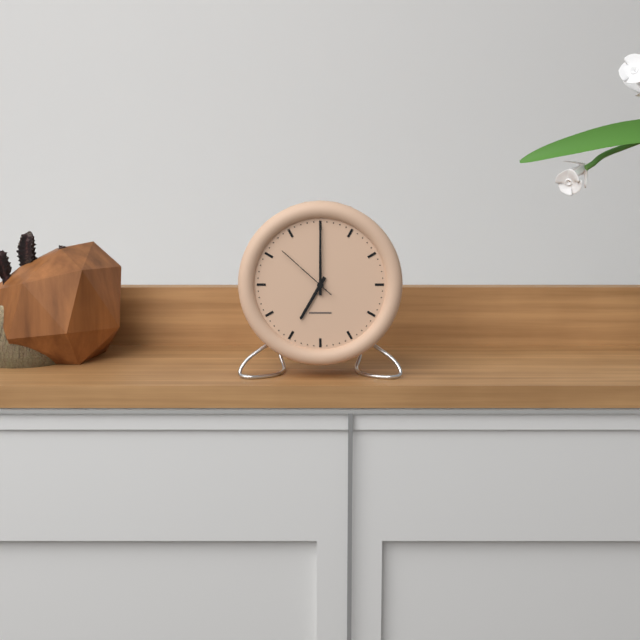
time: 7:00:52
